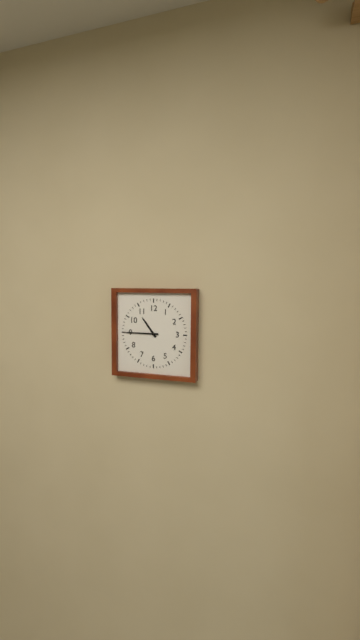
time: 10:45
